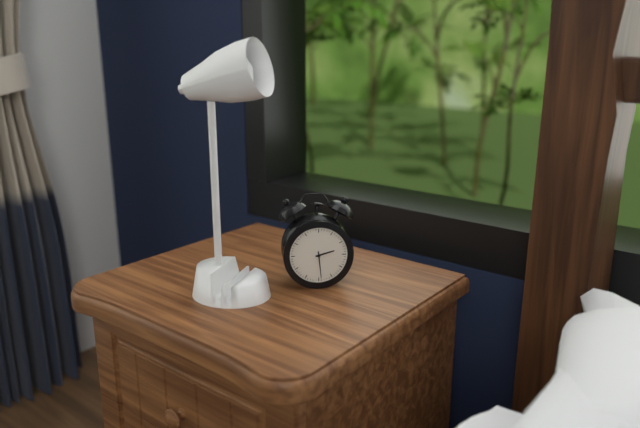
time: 2:29
